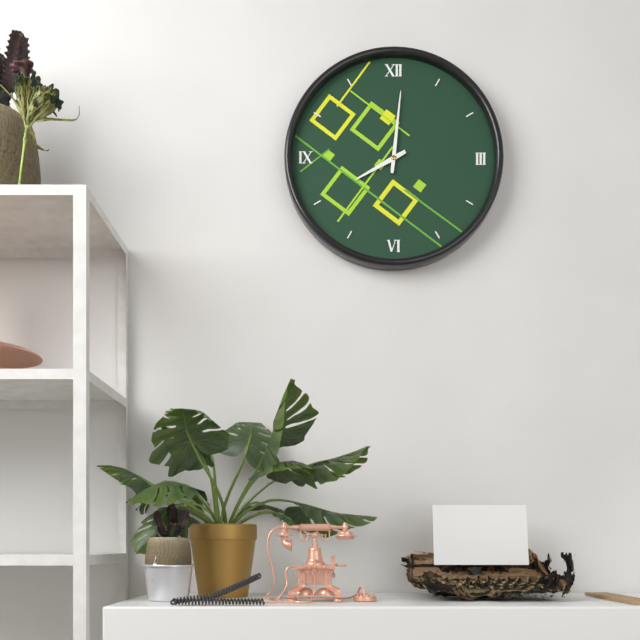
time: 8:01
